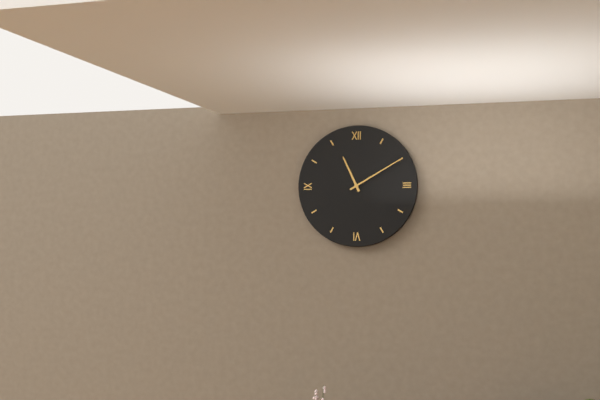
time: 11:10
